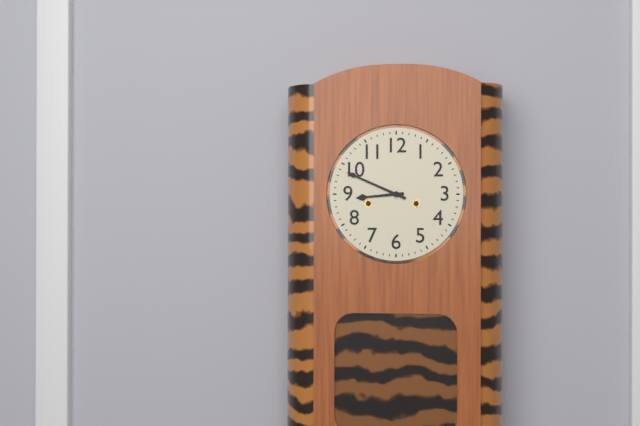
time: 8:49
